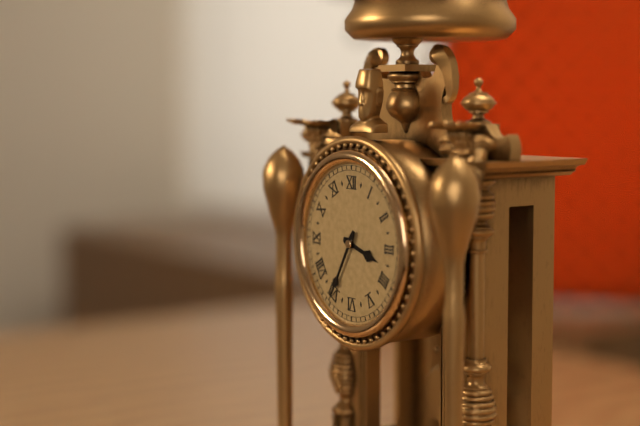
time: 3:35
